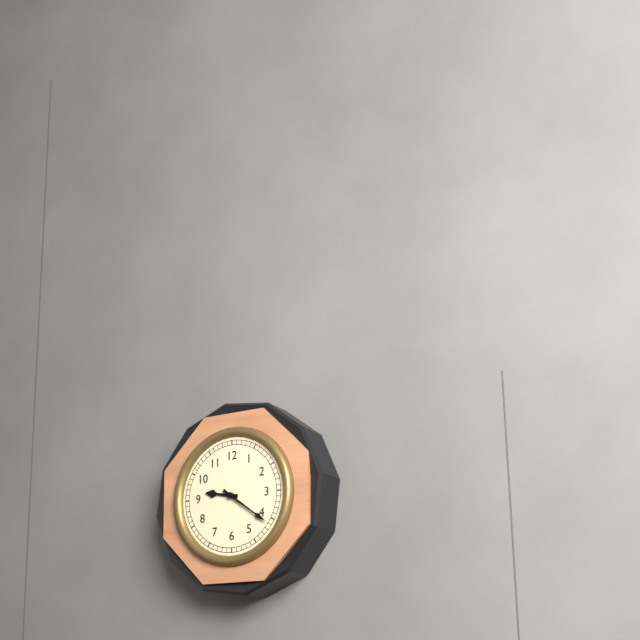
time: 9:21
